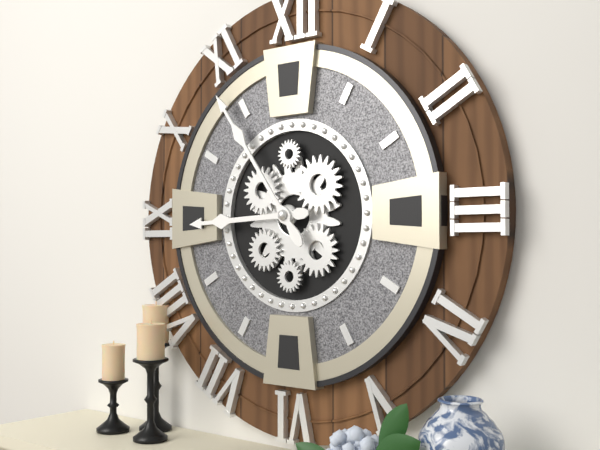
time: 8:54
